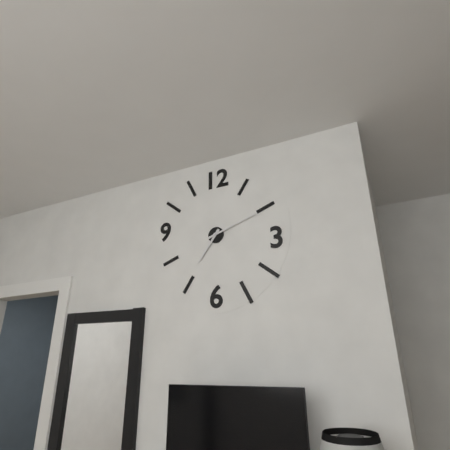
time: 7:12
